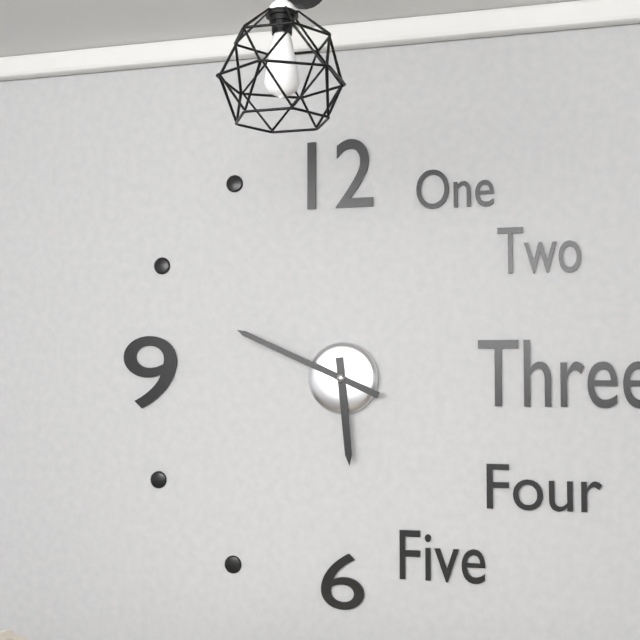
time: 5:49
